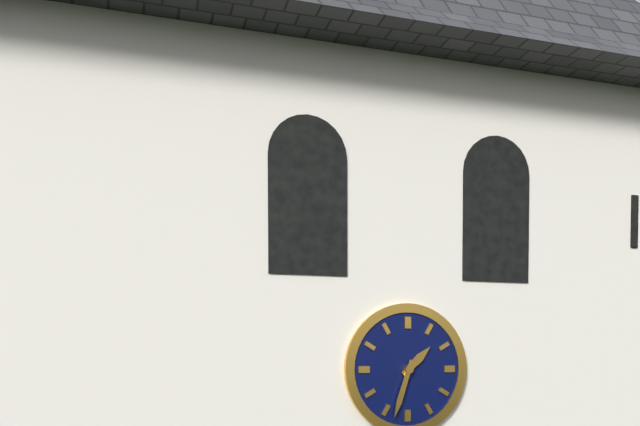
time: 1:33
